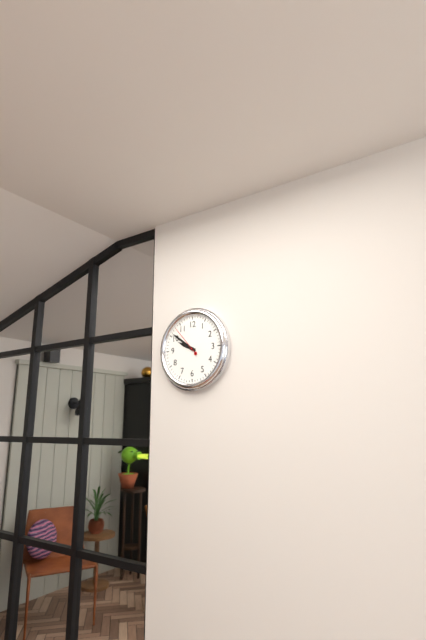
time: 9:51
